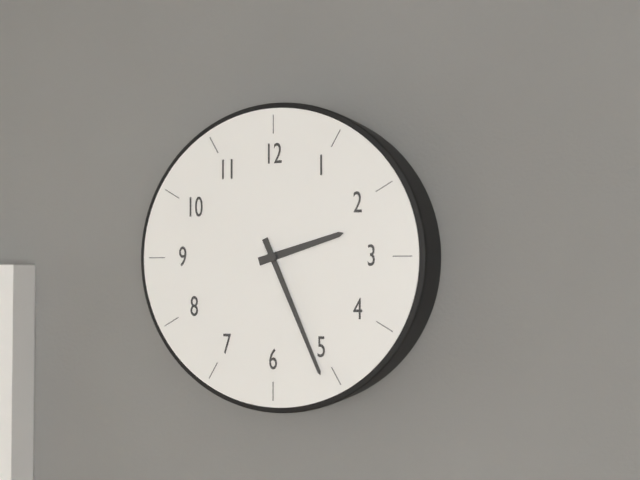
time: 2:26
